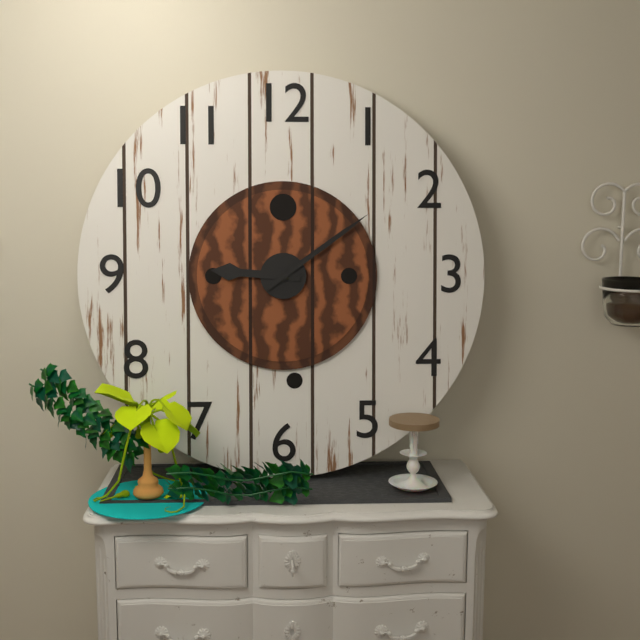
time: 9:09
